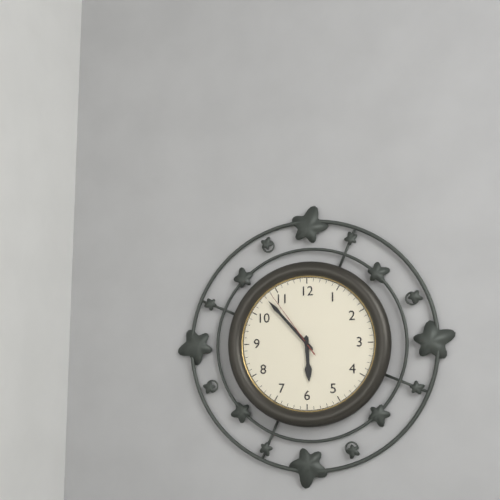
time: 5:53:54
